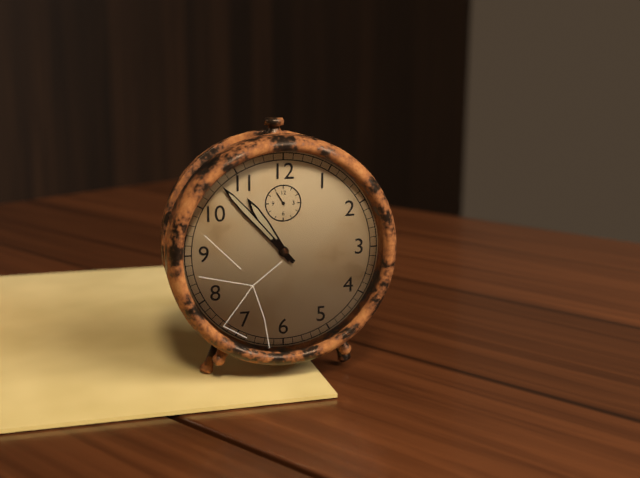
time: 10:53
